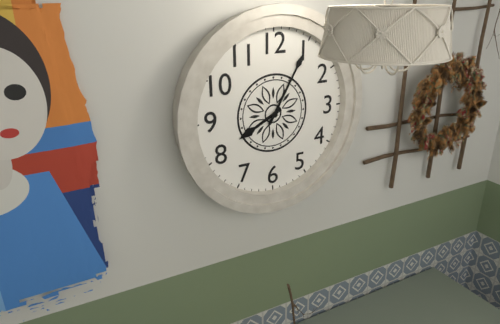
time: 8:05
